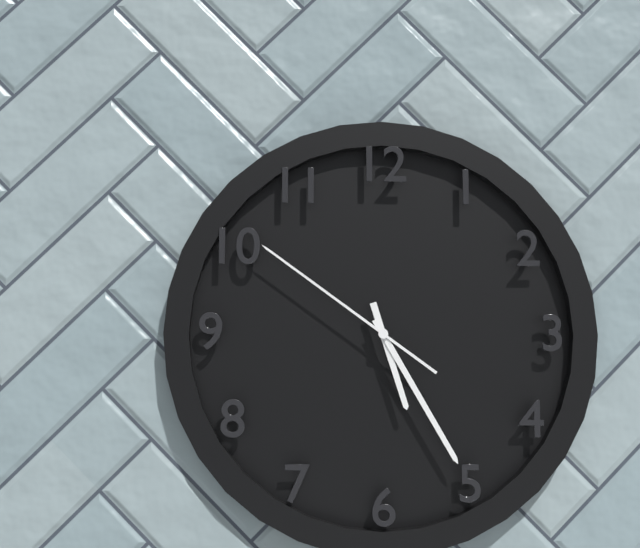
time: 5:25:51
